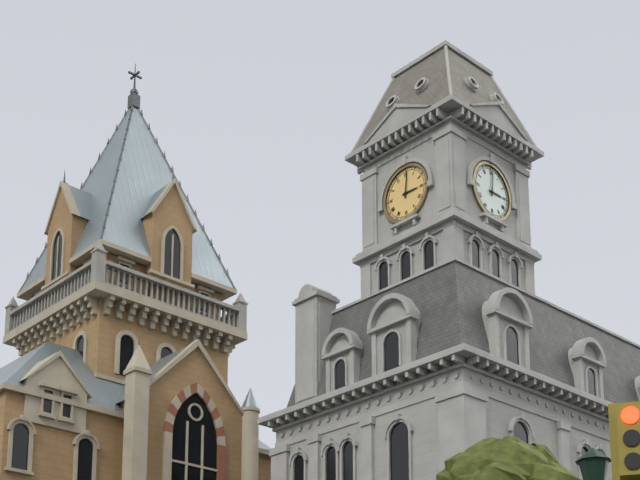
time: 3:01
